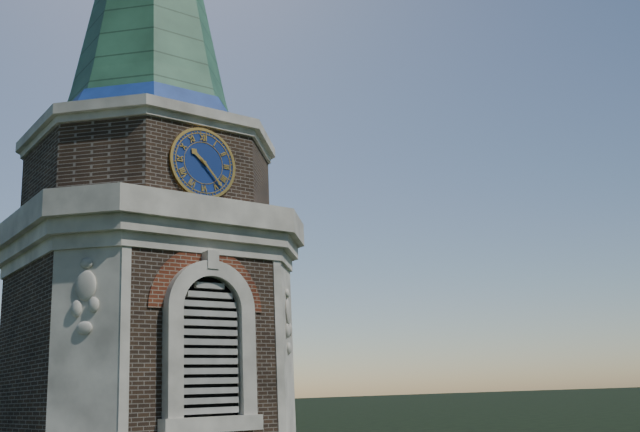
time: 10:23
